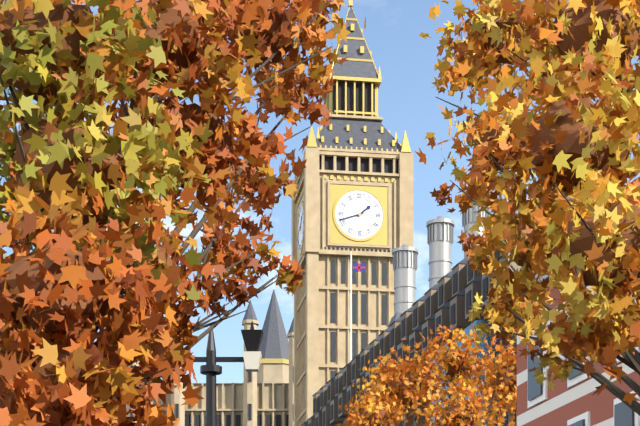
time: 1:42
